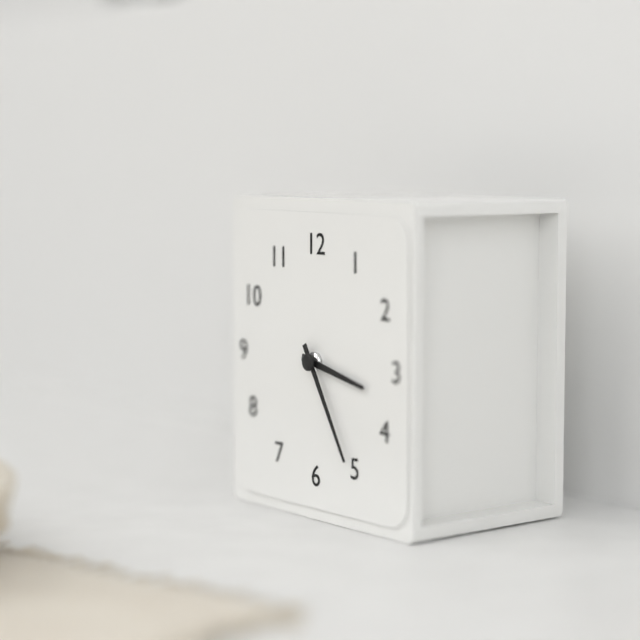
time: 3:25
